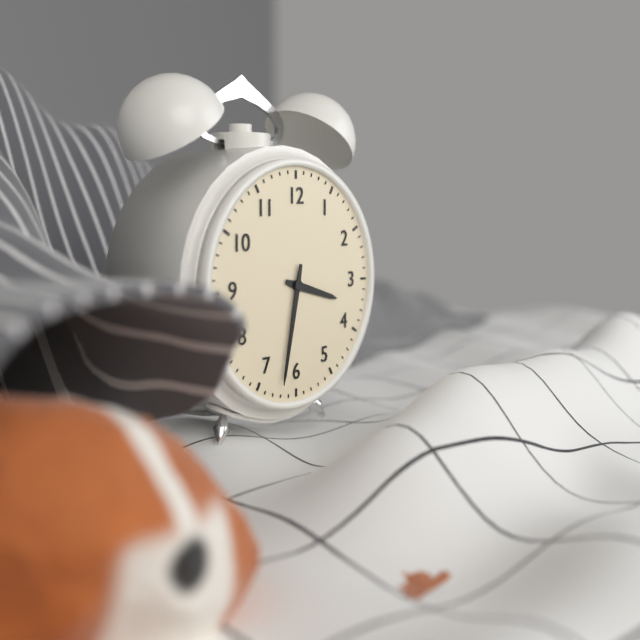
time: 3:32
